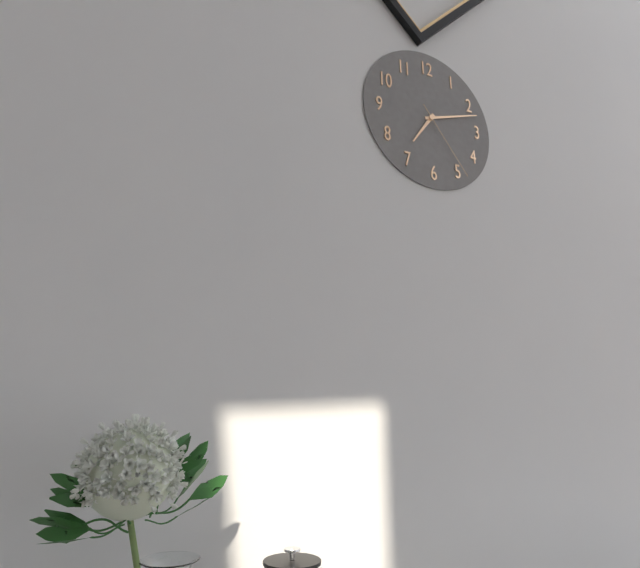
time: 7:12:24
